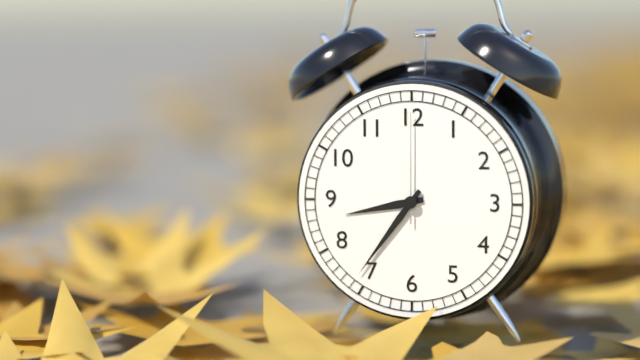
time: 8:36:00
